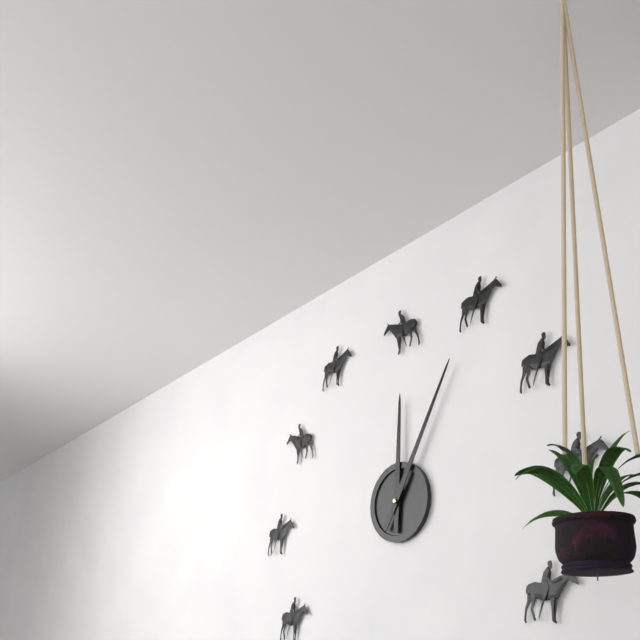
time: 12:05
